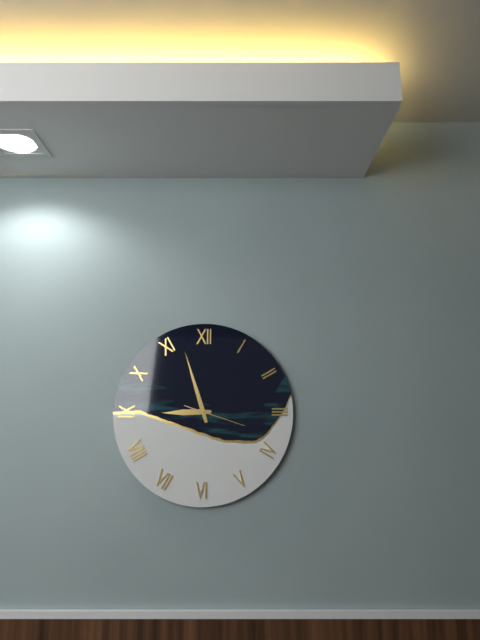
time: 8:57:18
